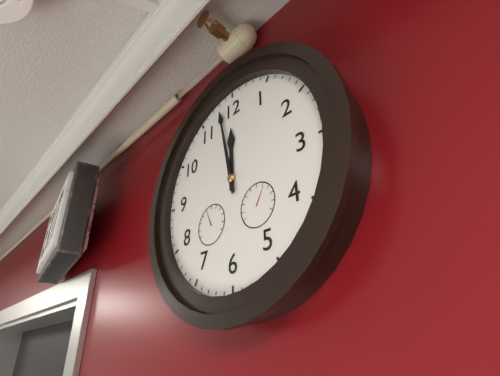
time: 11:58
